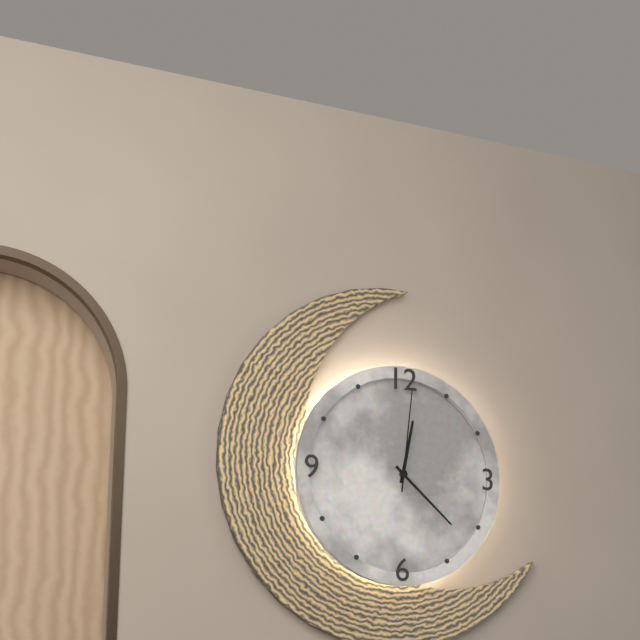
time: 12:22:01
